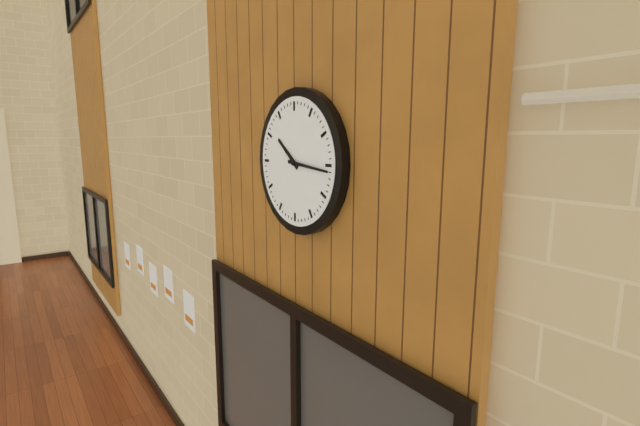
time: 10:16
